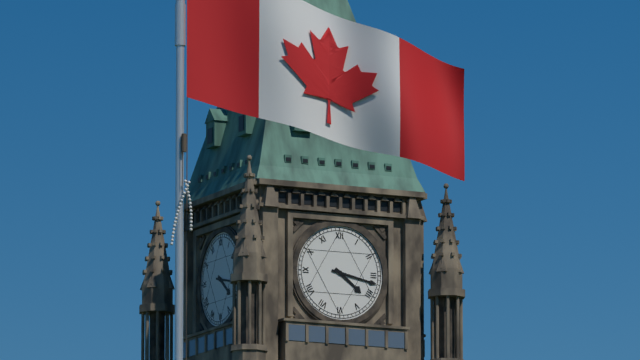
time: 4:17
